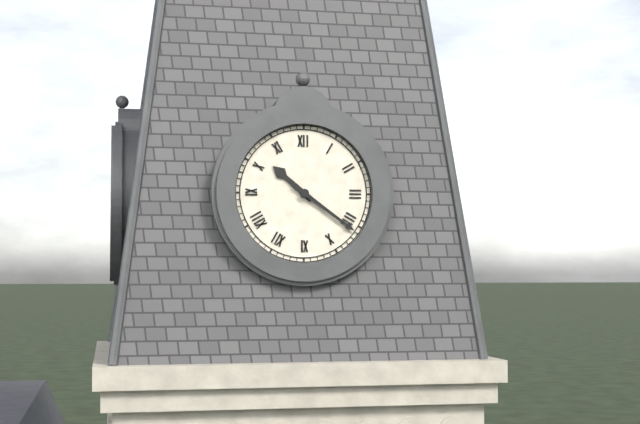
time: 10:21
